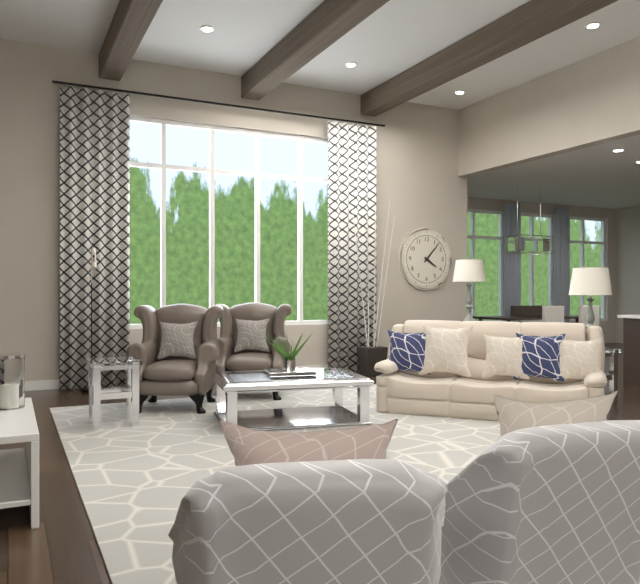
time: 4:07
